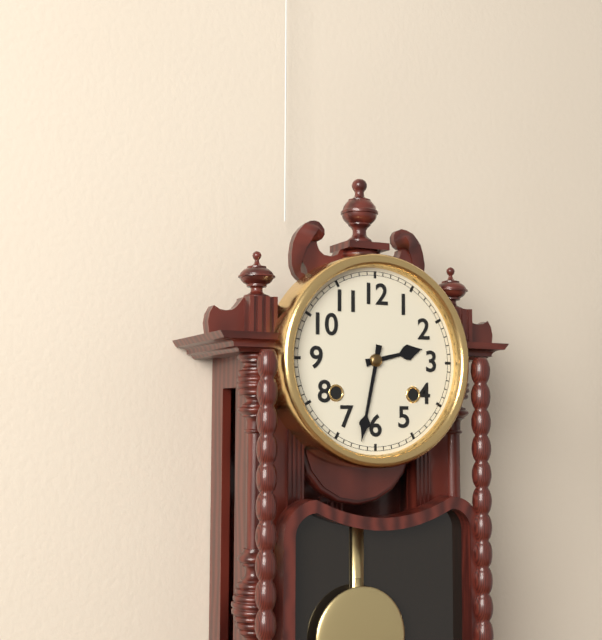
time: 2:32
